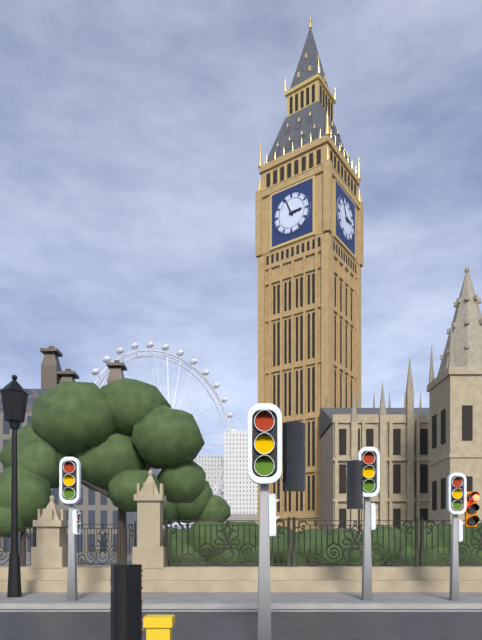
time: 2:56
